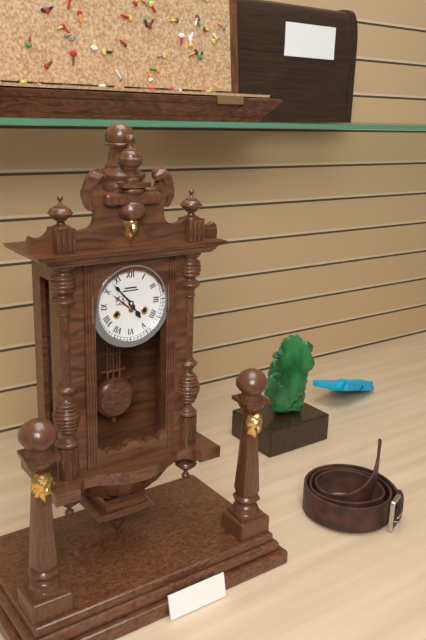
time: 4:53
